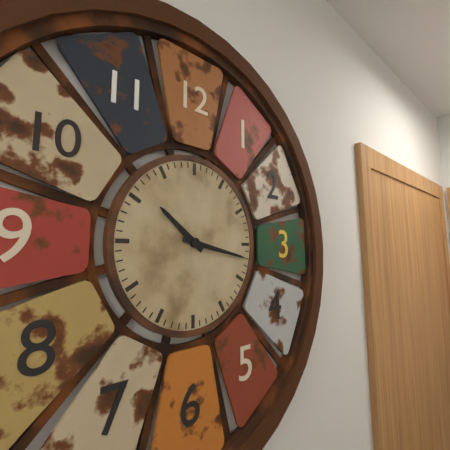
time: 10:17
